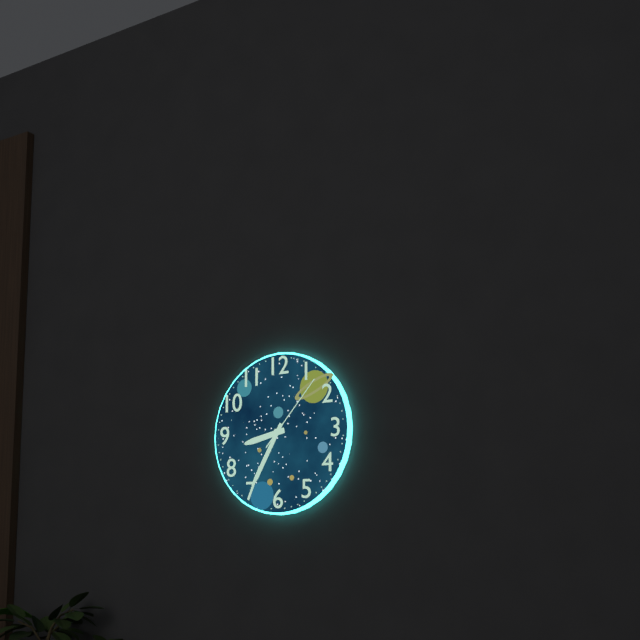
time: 8:35:07
